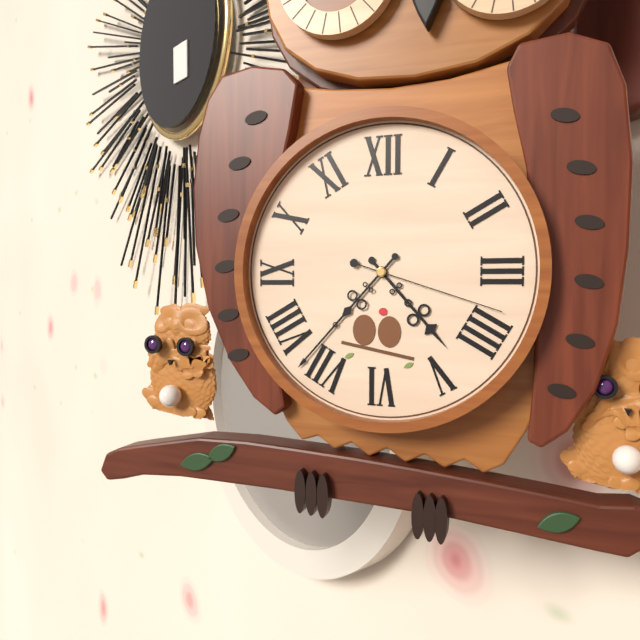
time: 4:37:18
